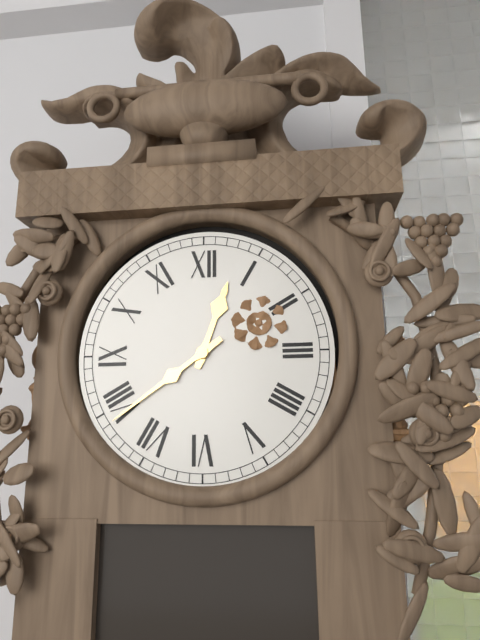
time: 12:39
